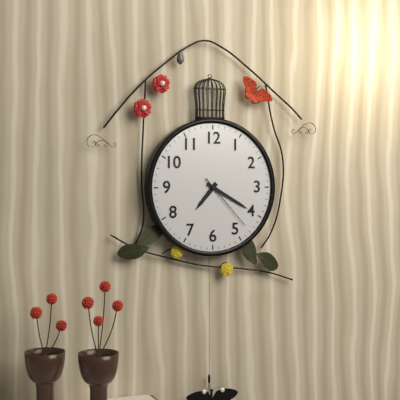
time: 7:20:23
